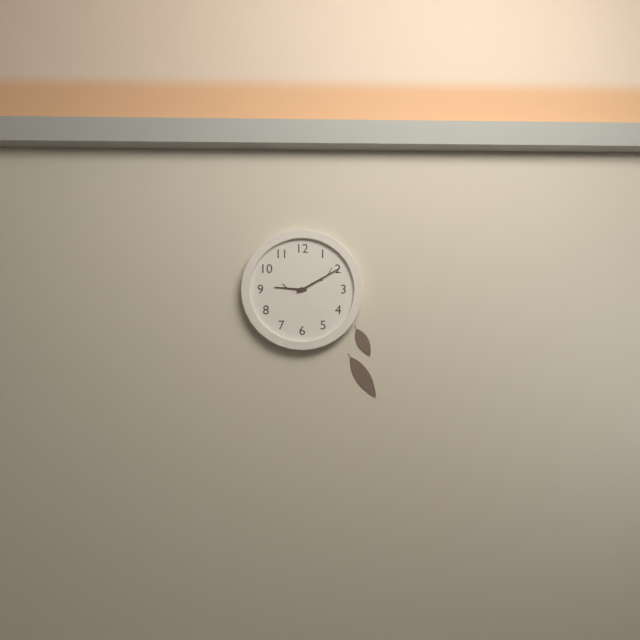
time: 9:10
